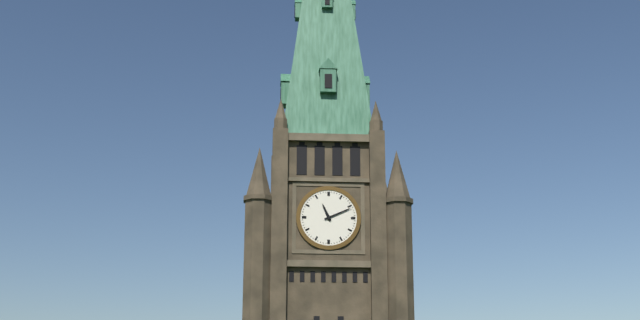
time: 11:11
